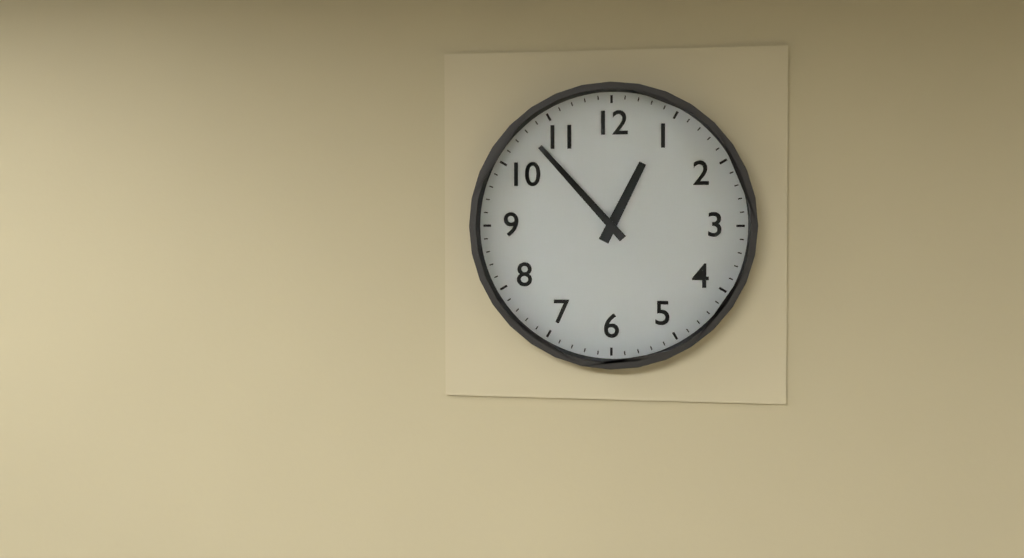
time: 12:53
